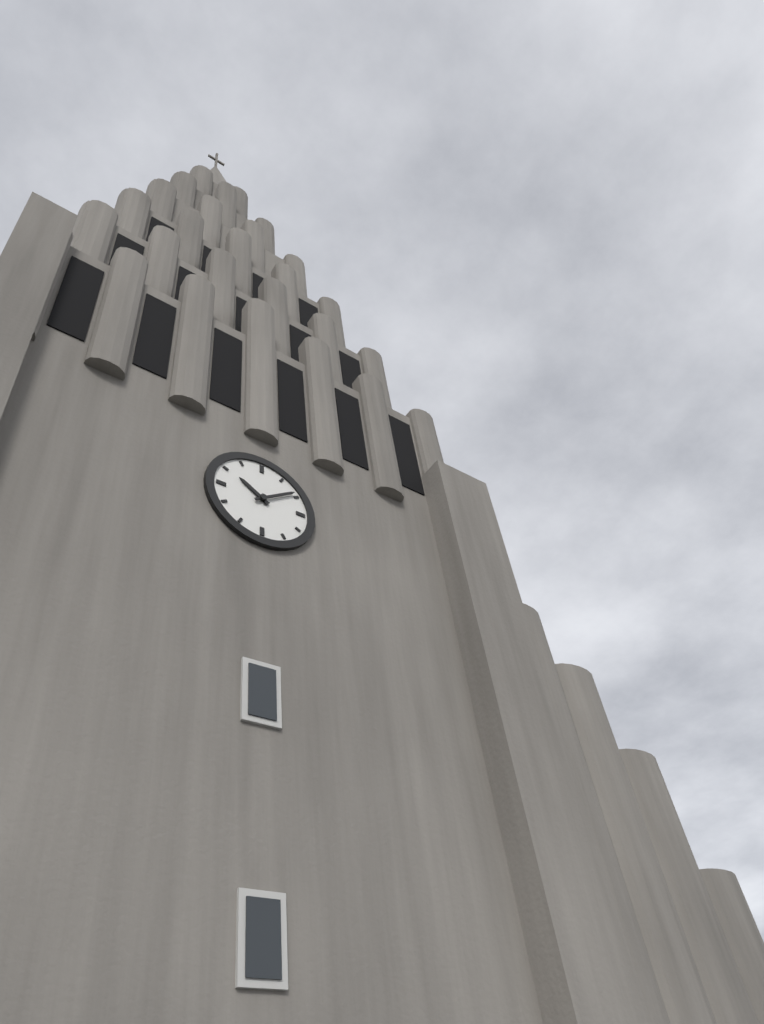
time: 10:09
